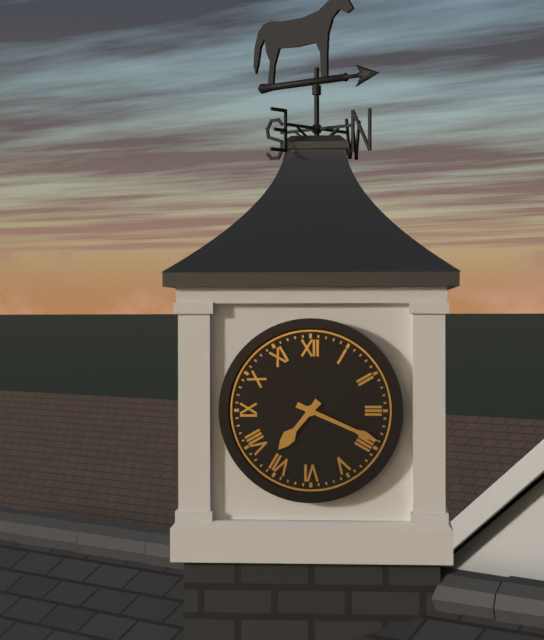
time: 7:19
